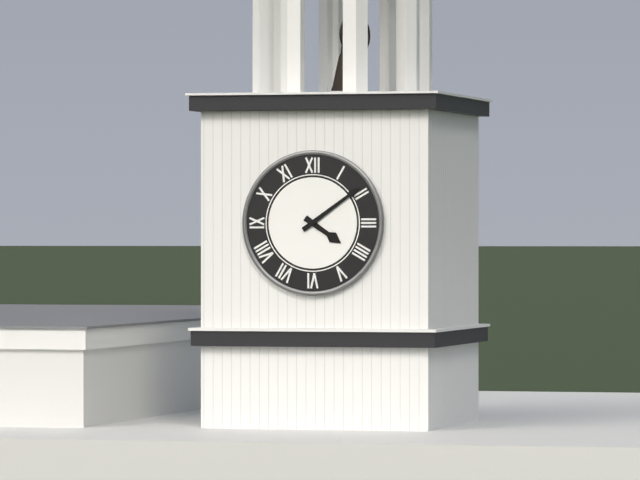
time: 4:09
